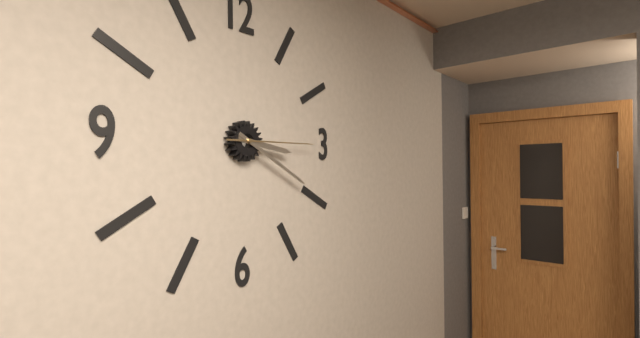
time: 3:20:15
